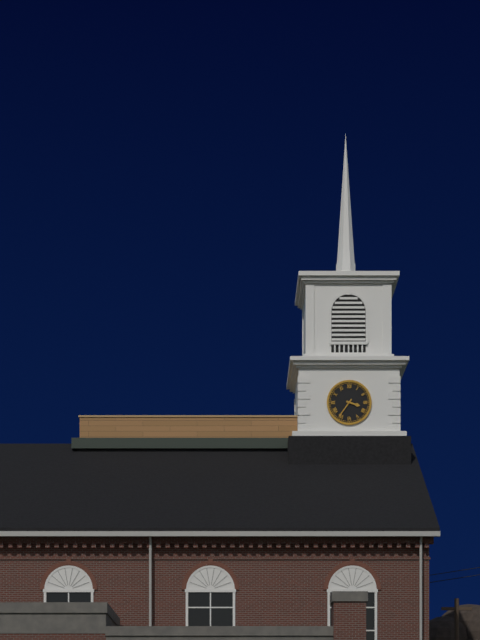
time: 3:36
